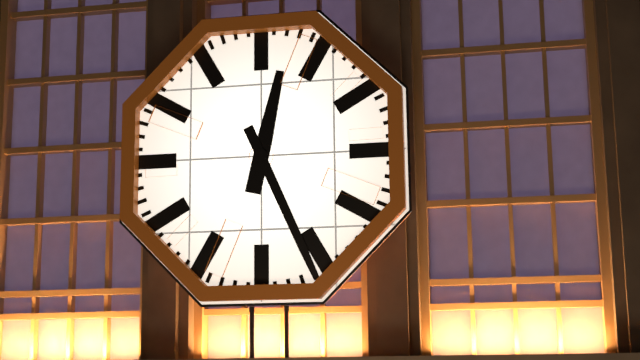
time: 12:26
